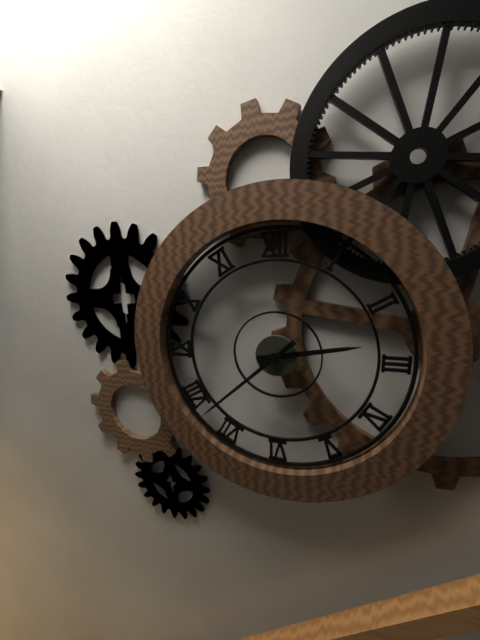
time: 2:38
